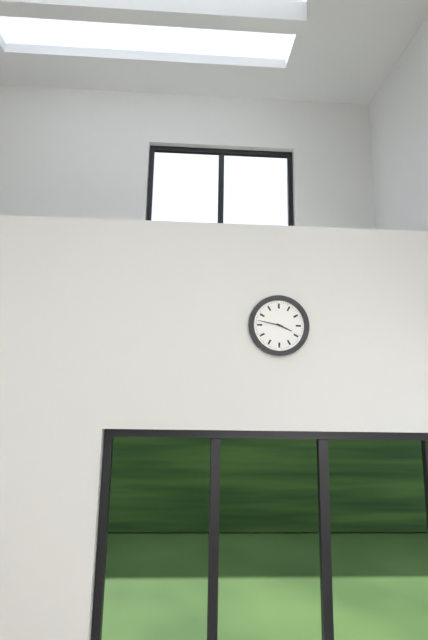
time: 3:47
